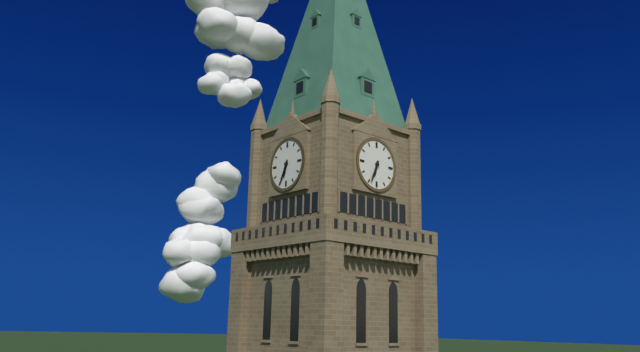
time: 6:34
